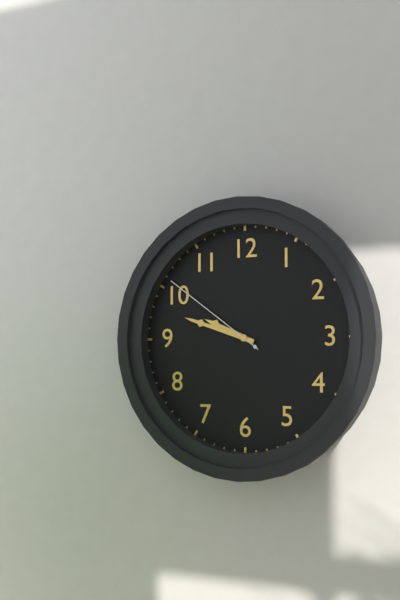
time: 9:48:51
